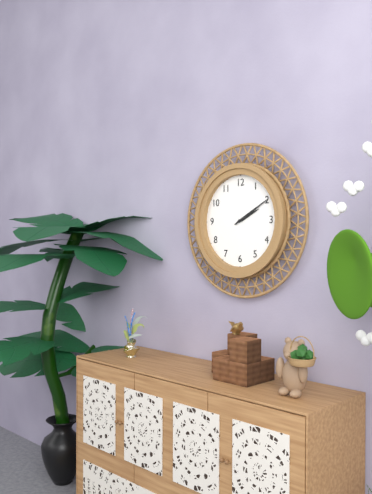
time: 2:10
